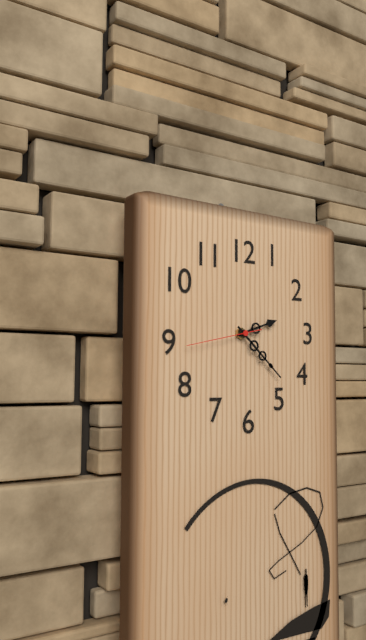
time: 2:22:43
